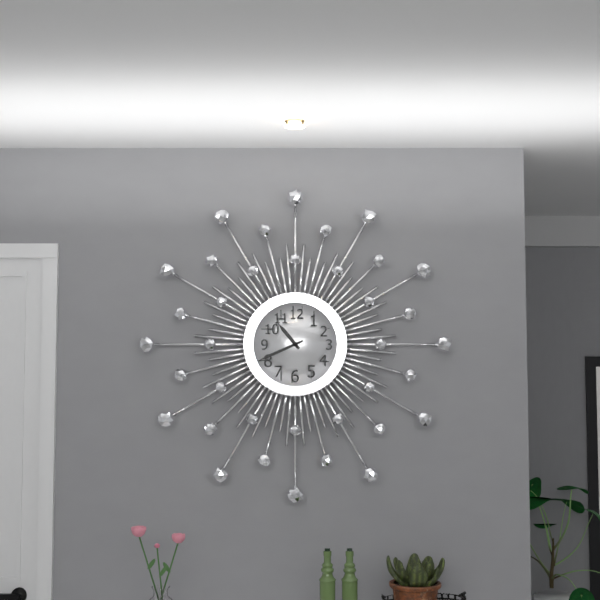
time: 10:41
